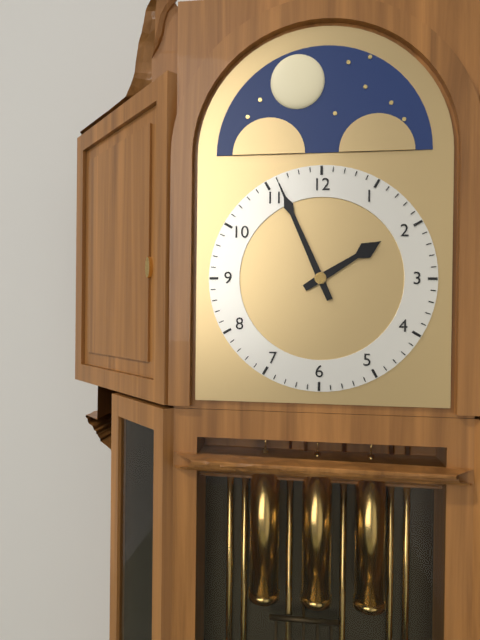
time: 1:56
